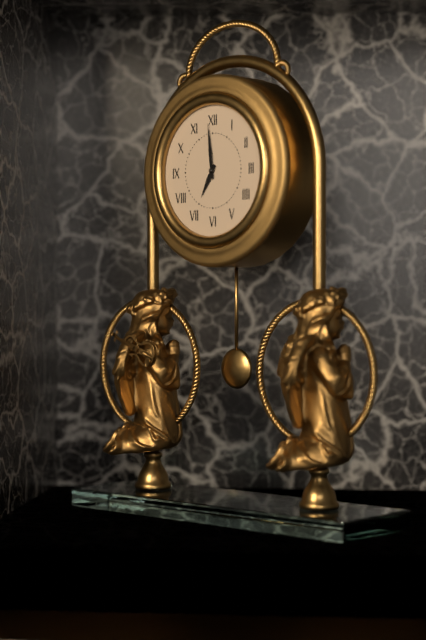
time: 6:59
